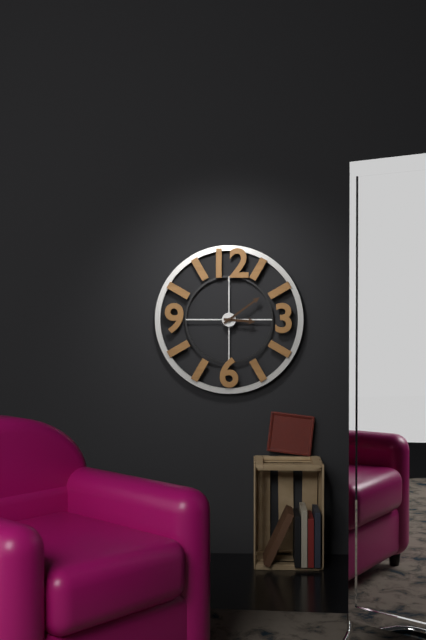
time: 3:09
